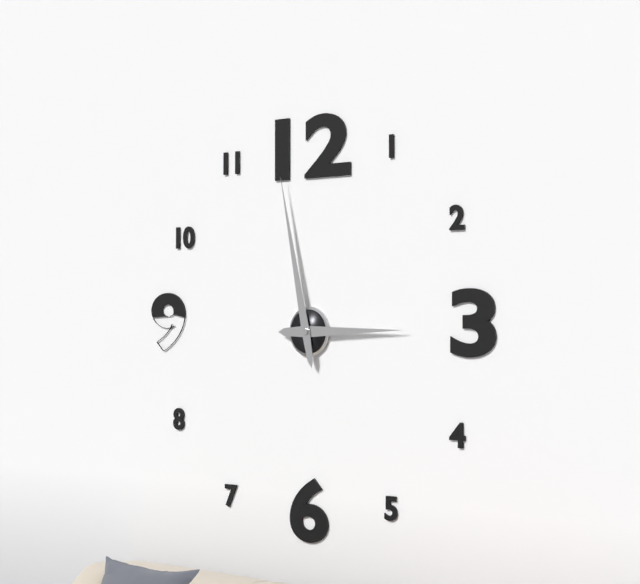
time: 2:58
